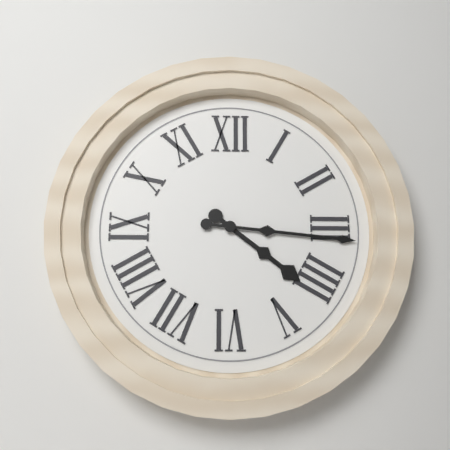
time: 4:16
